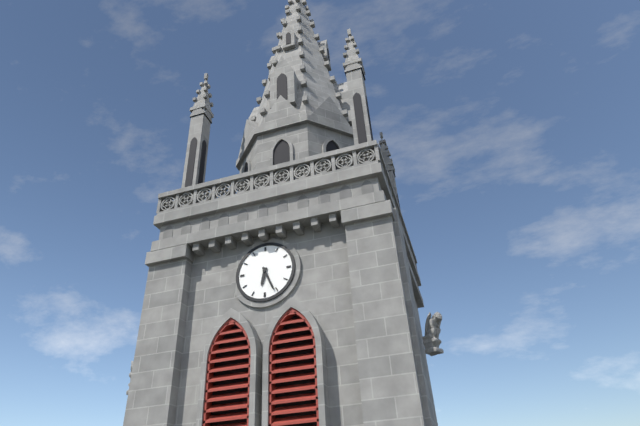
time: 6:26
